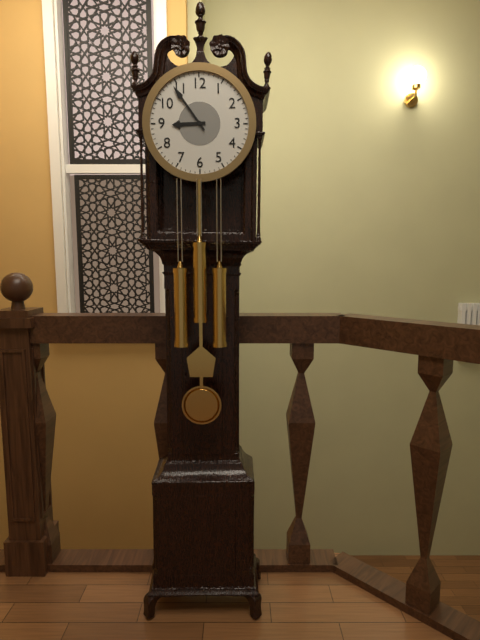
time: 8:54
